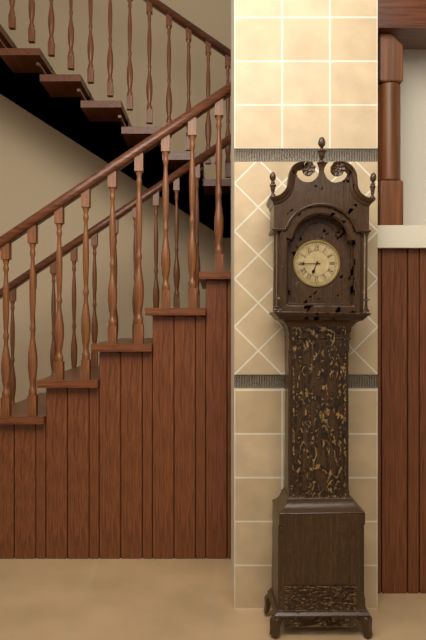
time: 6:45
